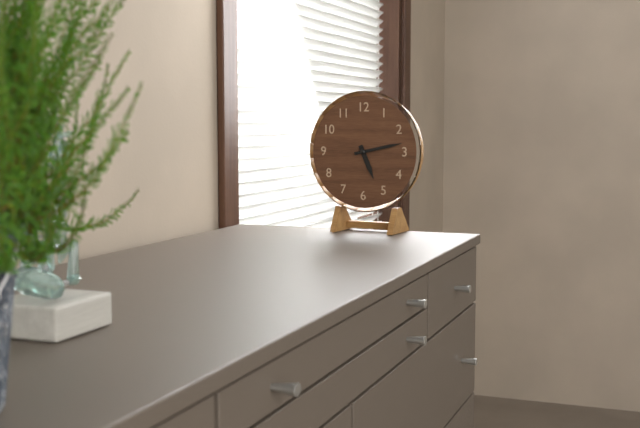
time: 5:13
